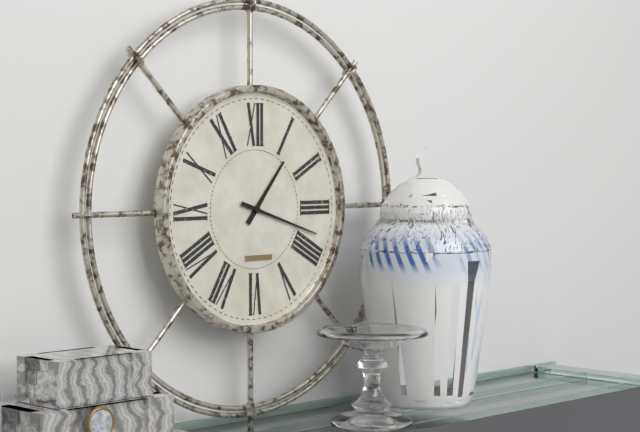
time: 1:18
